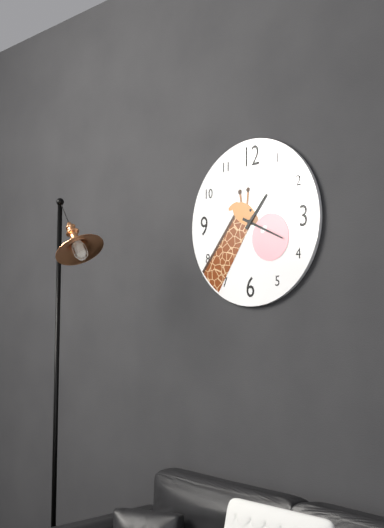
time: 1:19
